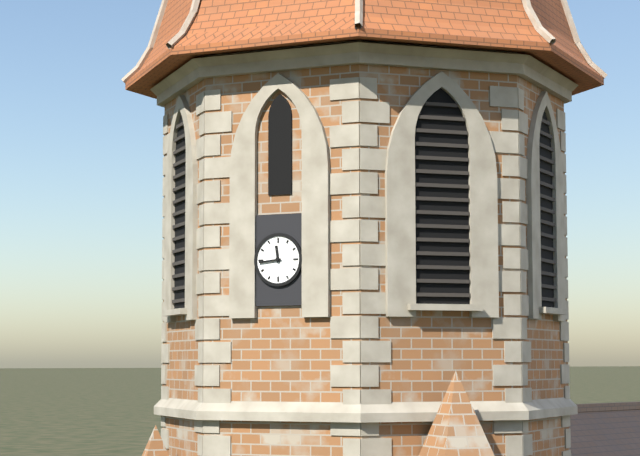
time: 11:44
